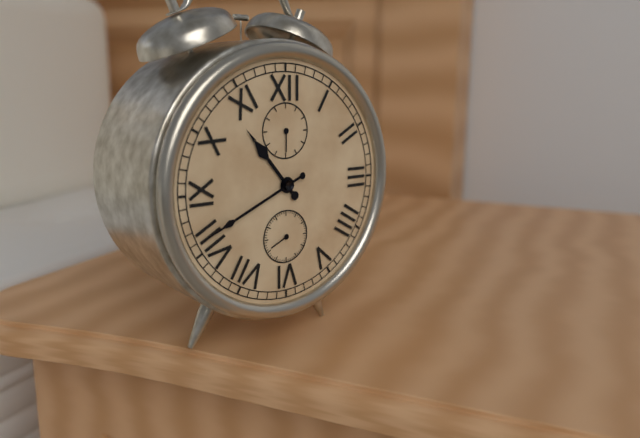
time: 10:41
